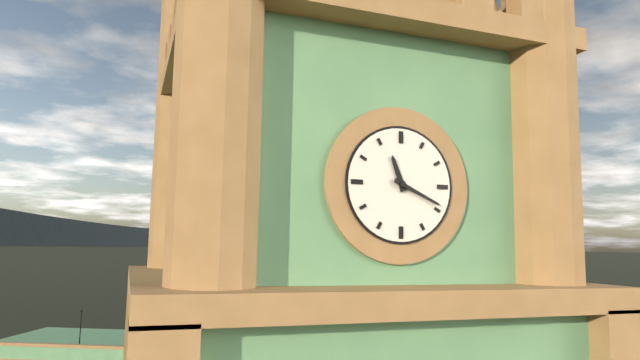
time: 11:19
